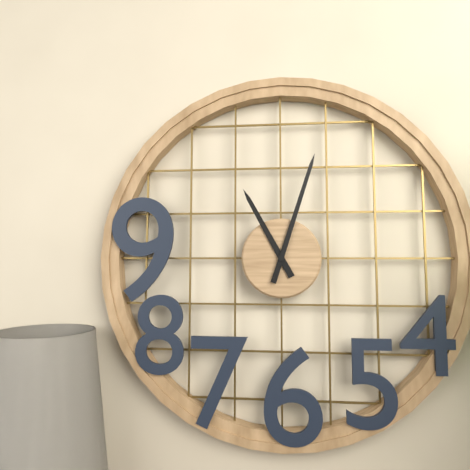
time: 11:03
